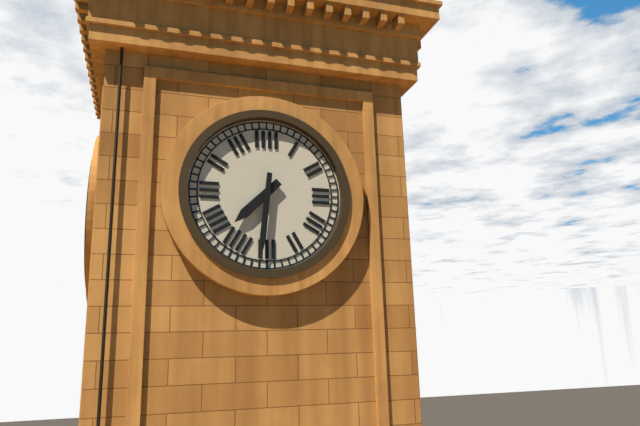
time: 7:31
